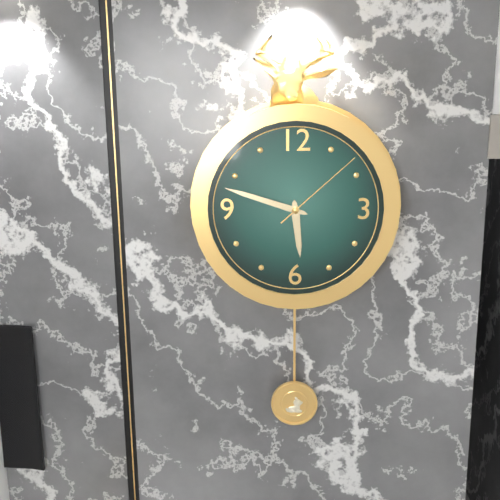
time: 5:48:08
